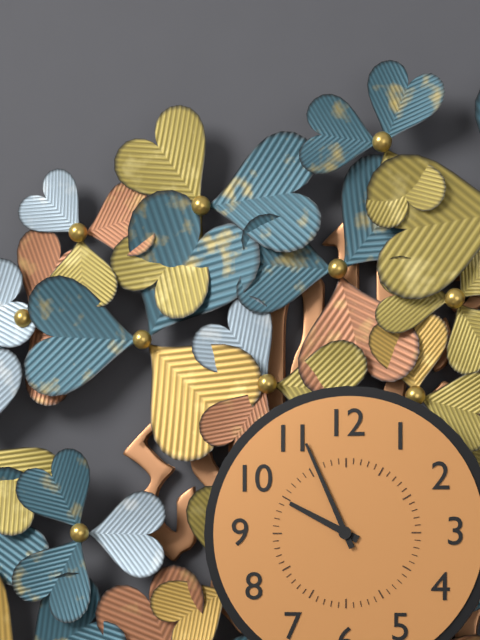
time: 9:56
